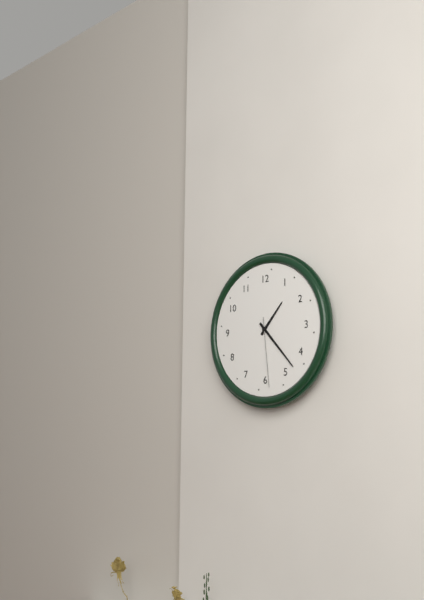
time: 1:23:29
